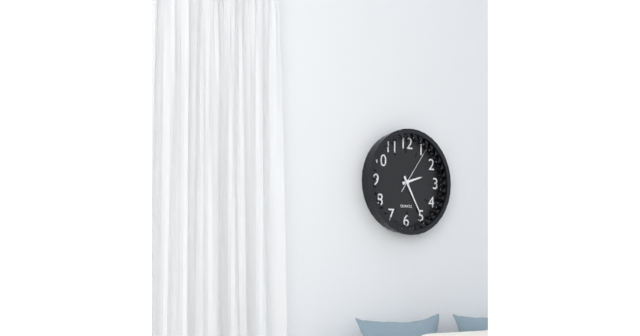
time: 2:25
